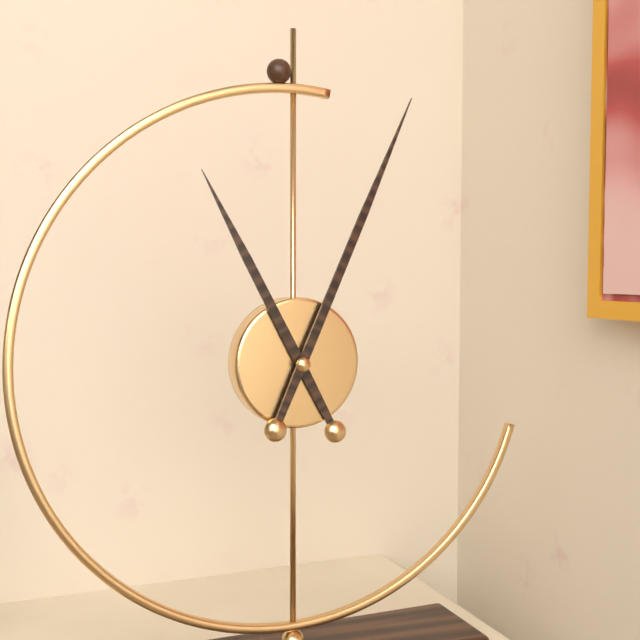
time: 11:04
